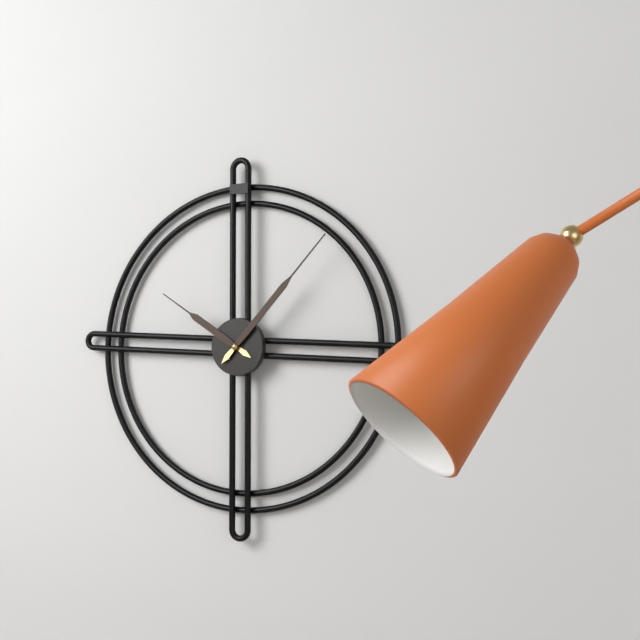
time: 10:07
